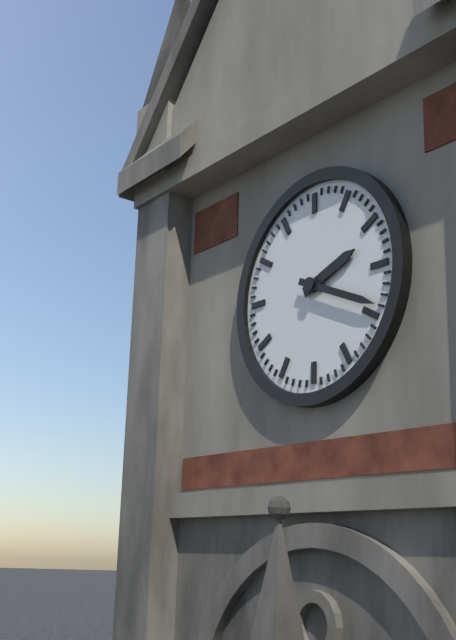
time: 2:19
